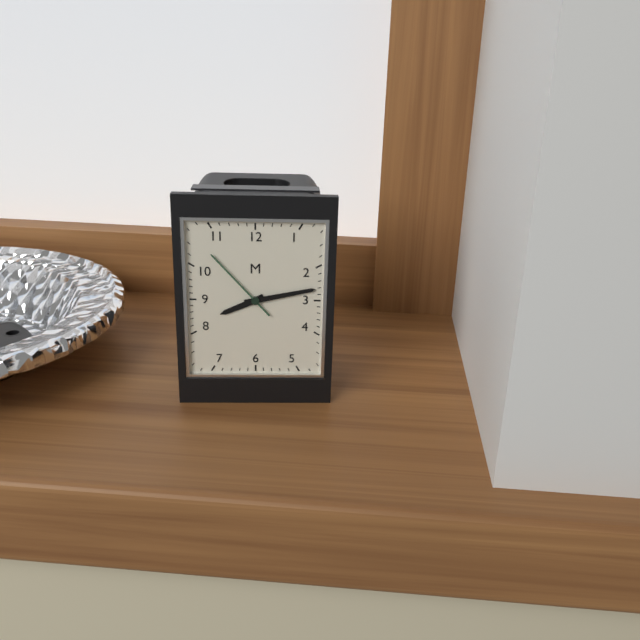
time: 8:13:53
